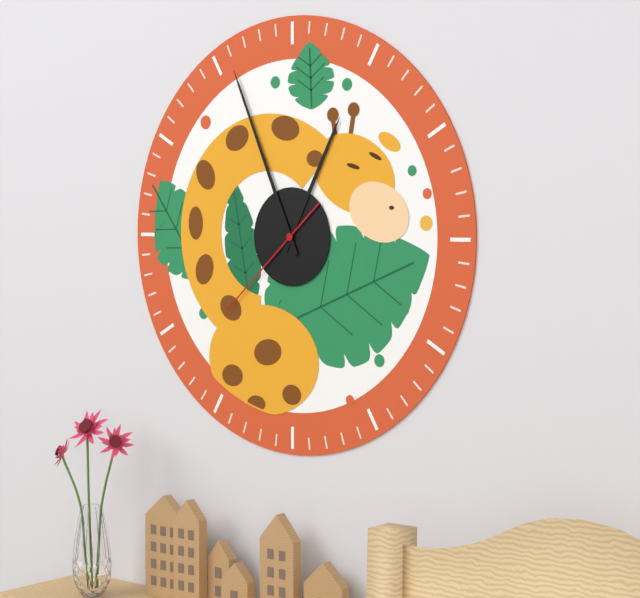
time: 12:56:38
